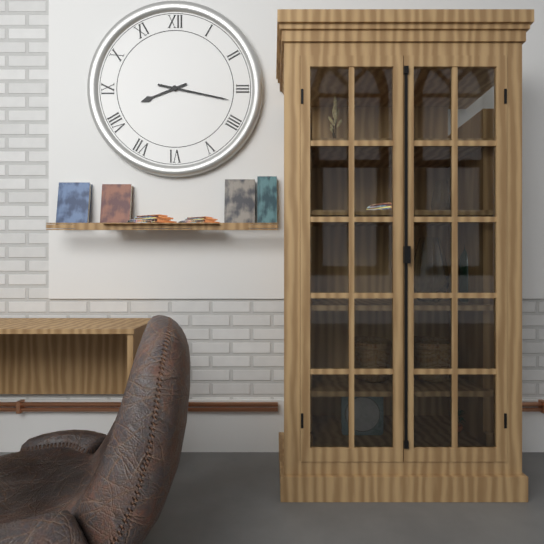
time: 8:17
